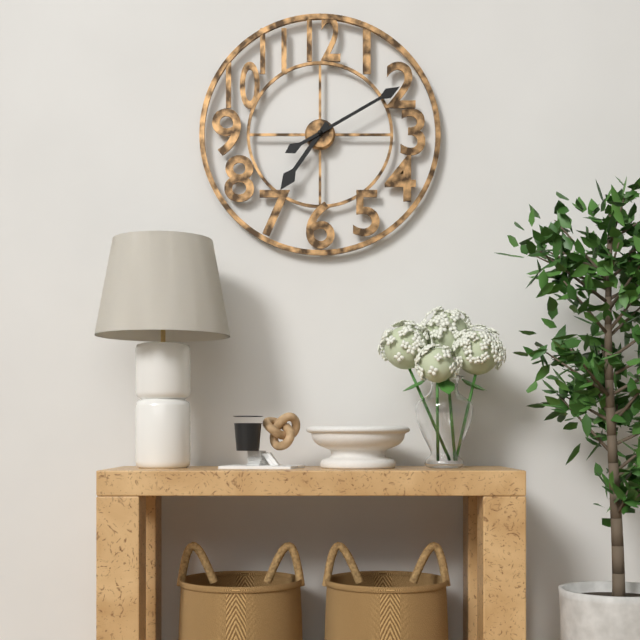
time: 7:10
